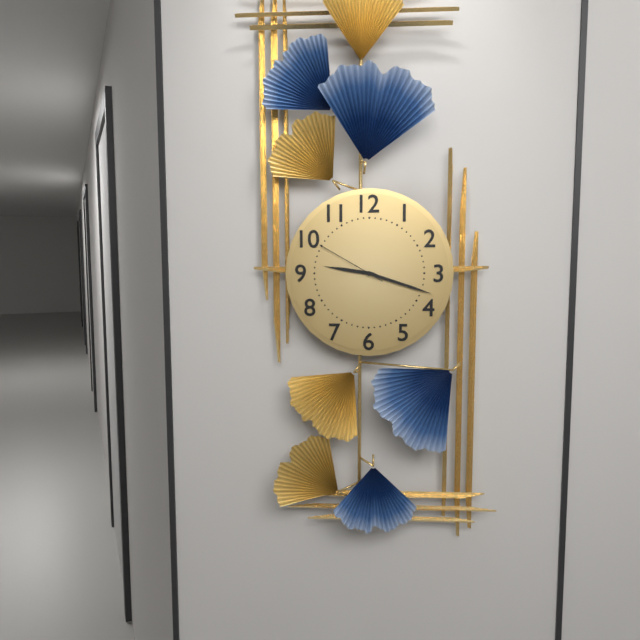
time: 9:18:50
